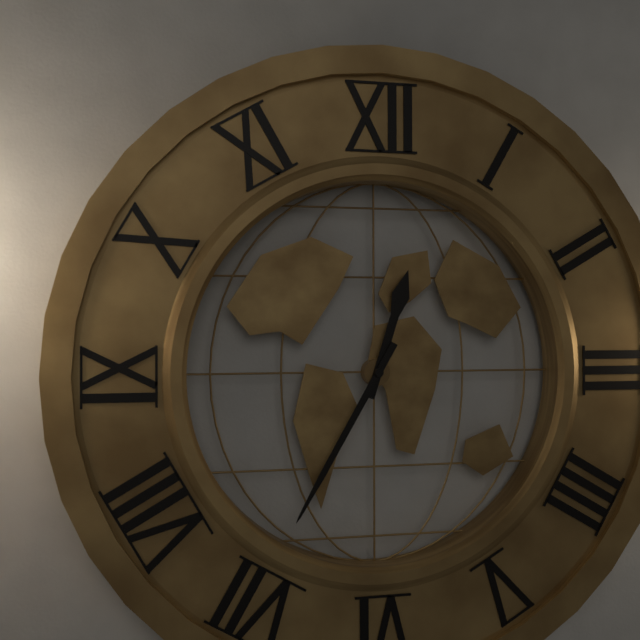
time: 12:35
